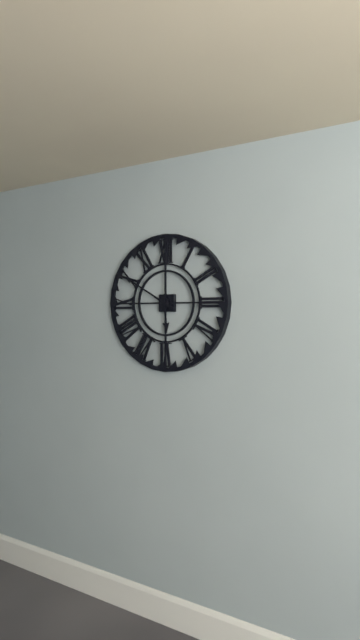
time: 5:50
